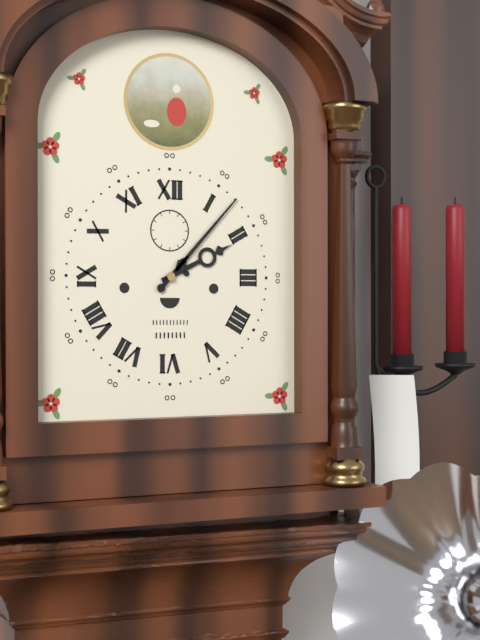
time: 2:07
